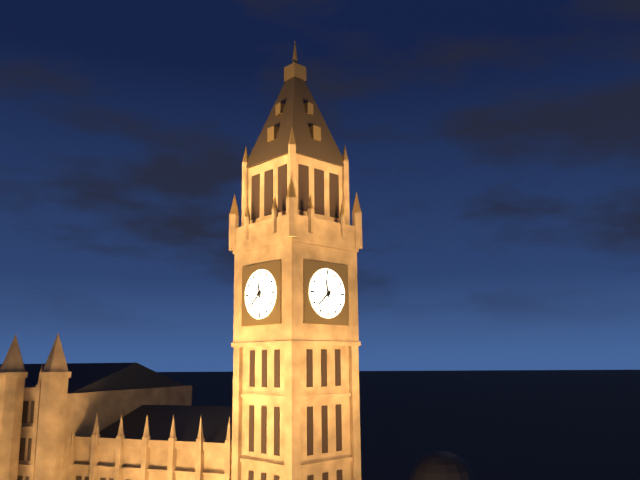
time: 11:38
